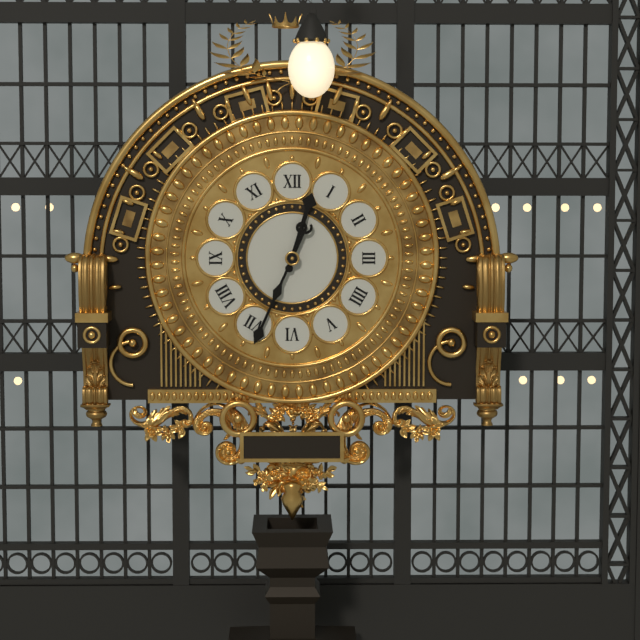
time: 12:34
